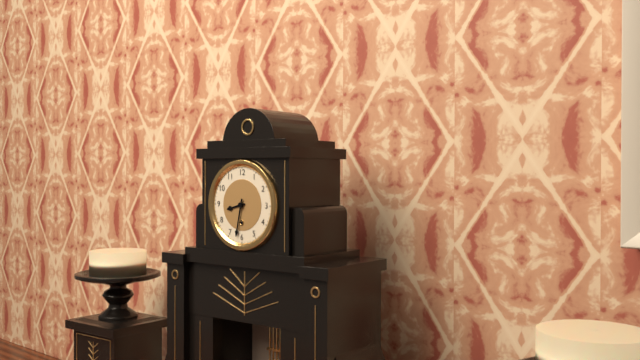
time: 8:32
